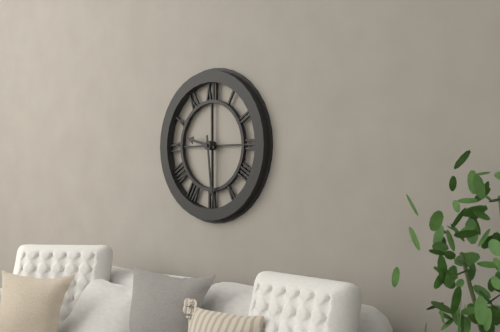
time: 9:29
